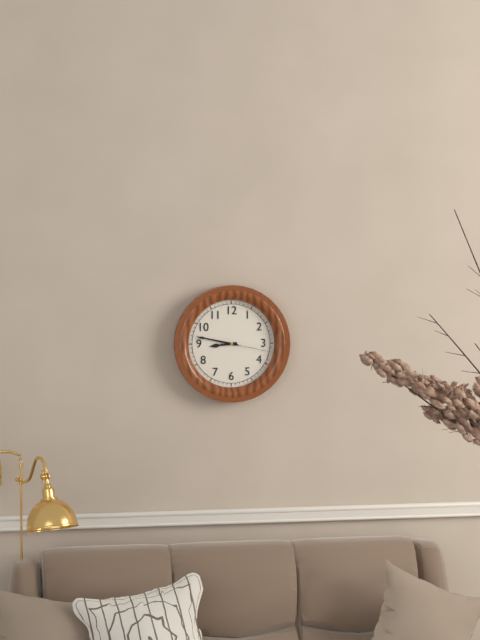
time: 8:47
